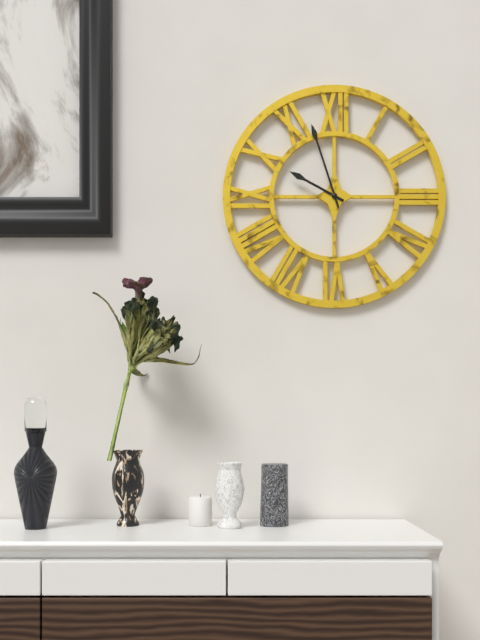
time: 9:57
